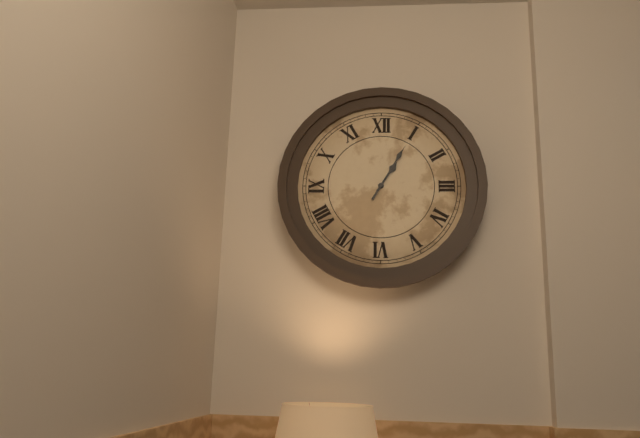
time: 1:05
